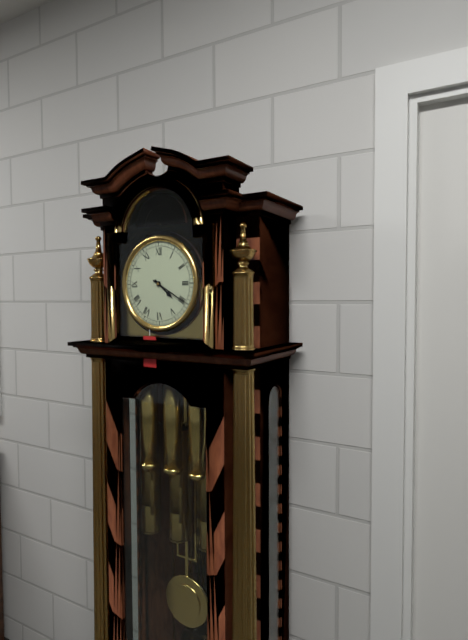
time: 4:20
